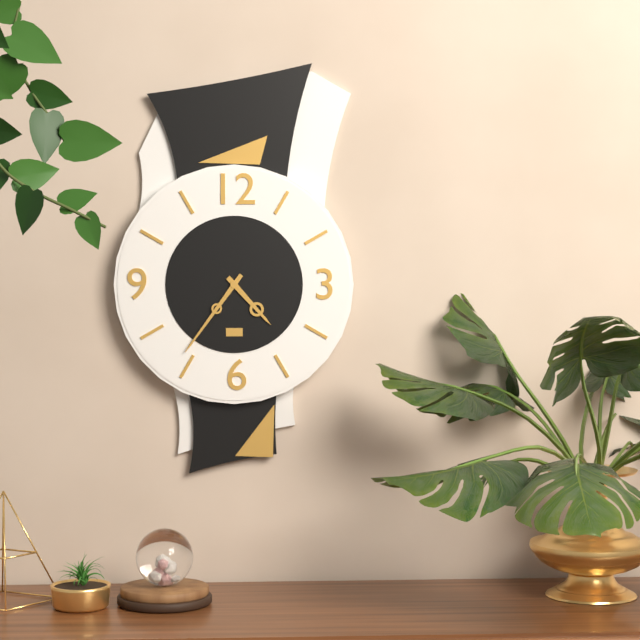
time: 4:36
